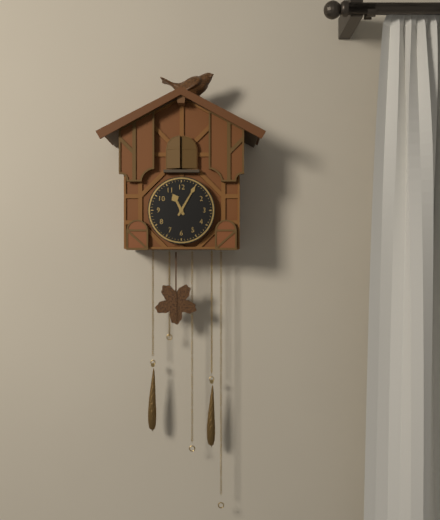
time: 11:05
